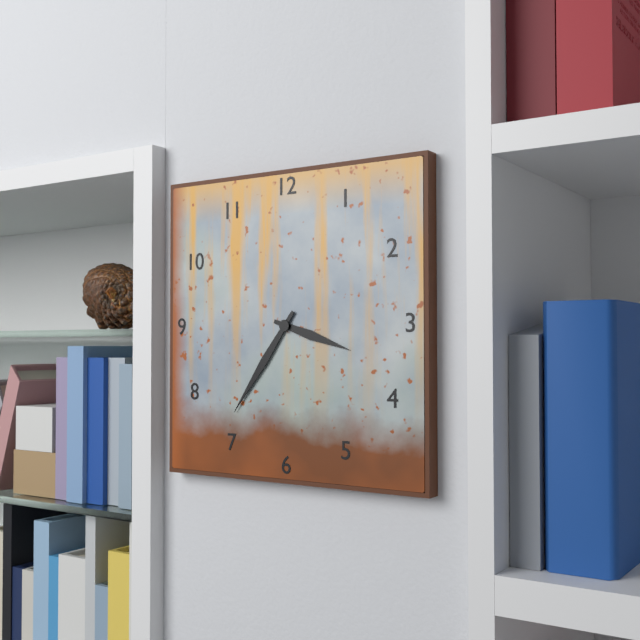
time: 3:36
